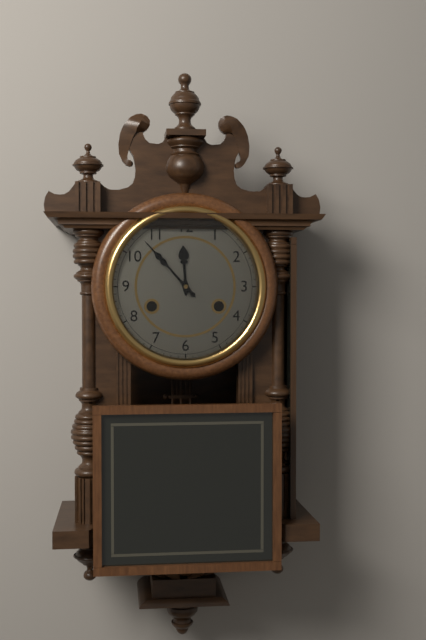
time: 11:53
